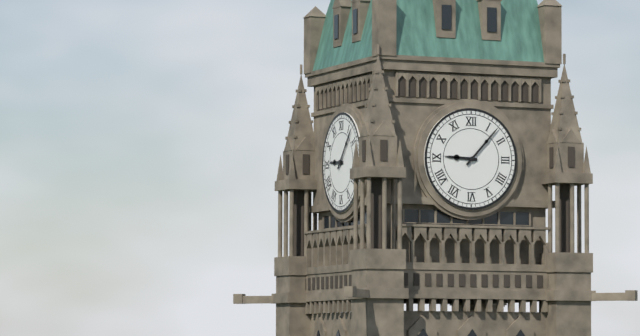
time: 9:07
